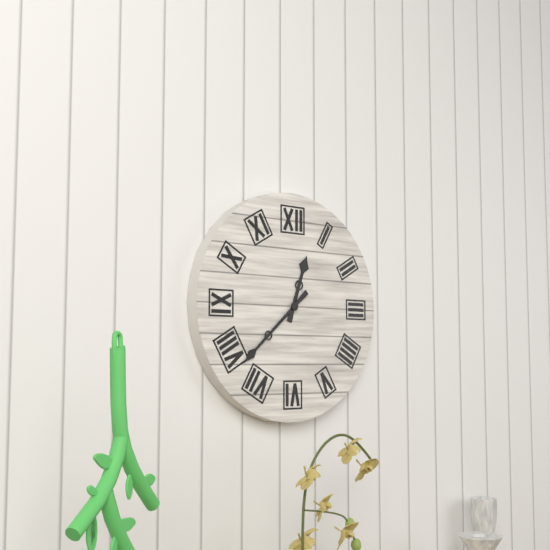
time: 12:38
